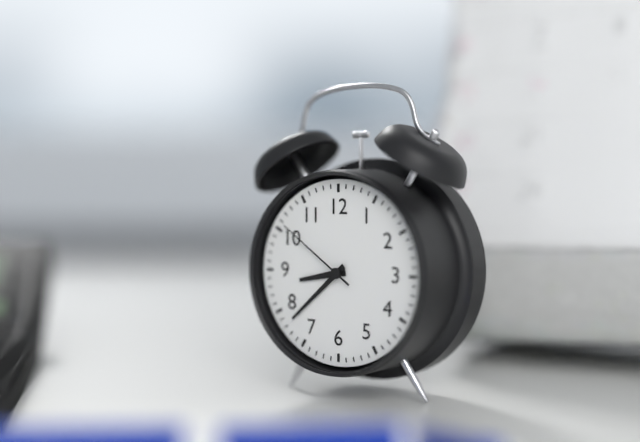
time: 8:38:51
